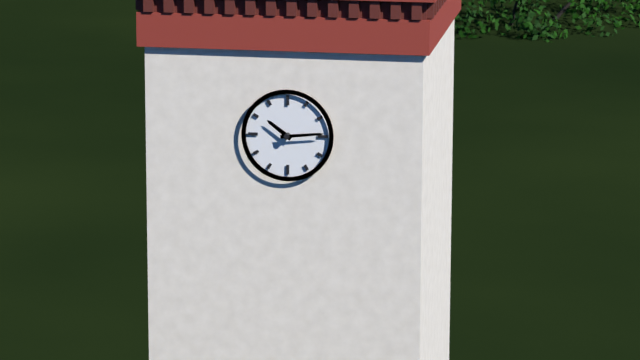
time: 10:14
